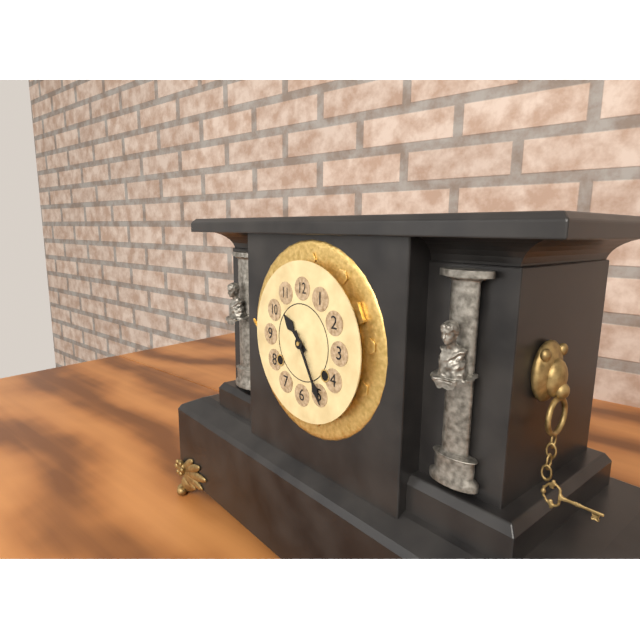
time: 10:25
